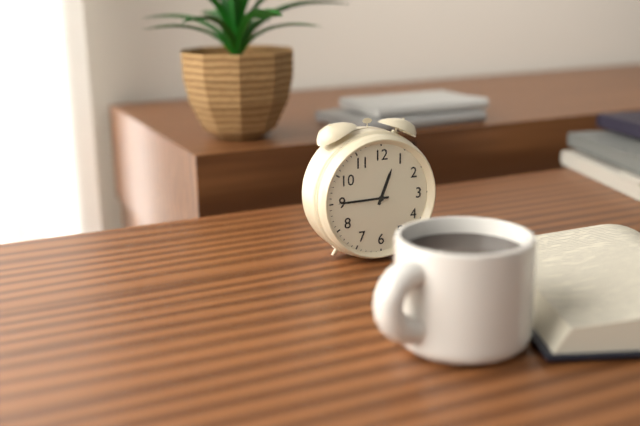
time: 12:45
